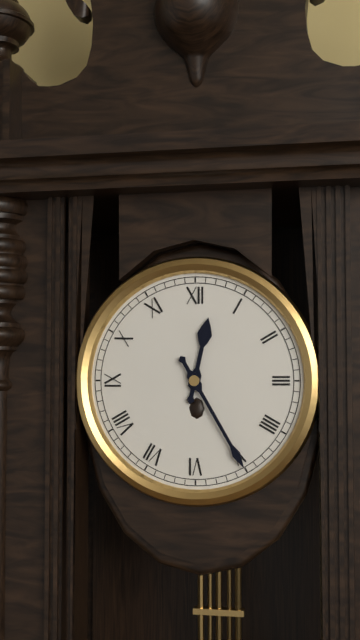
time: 12:25
